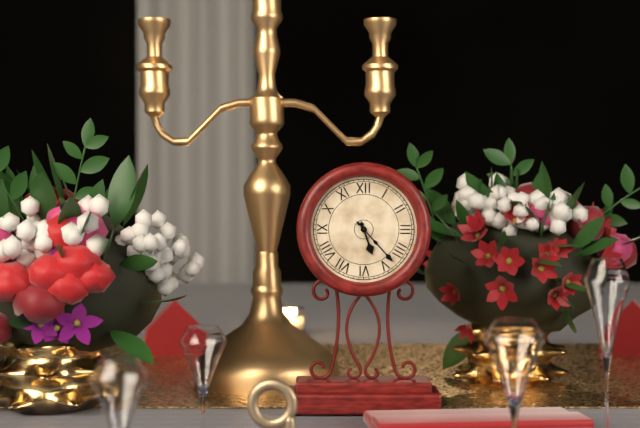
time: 5:23
